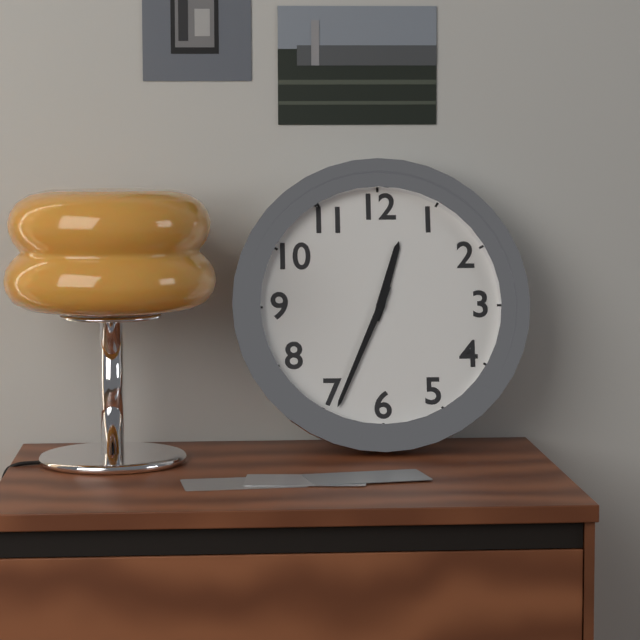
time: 12:34
